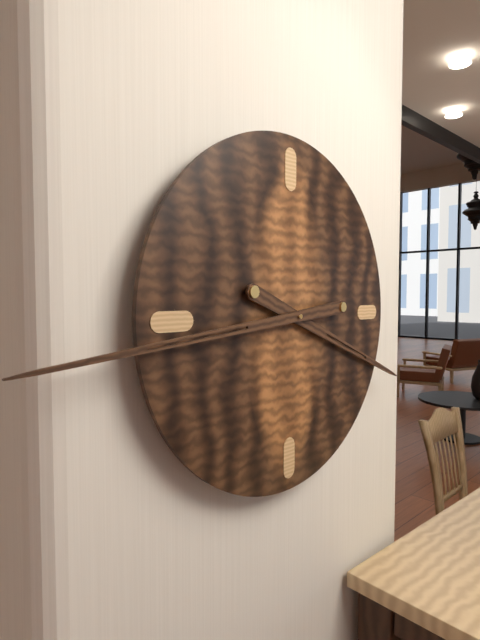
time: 3:44
